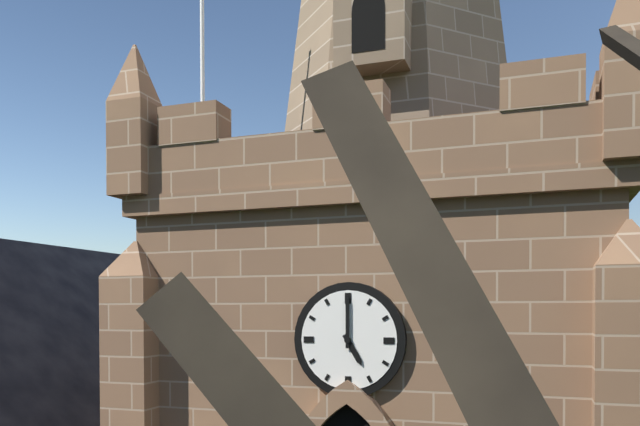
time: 5:00
